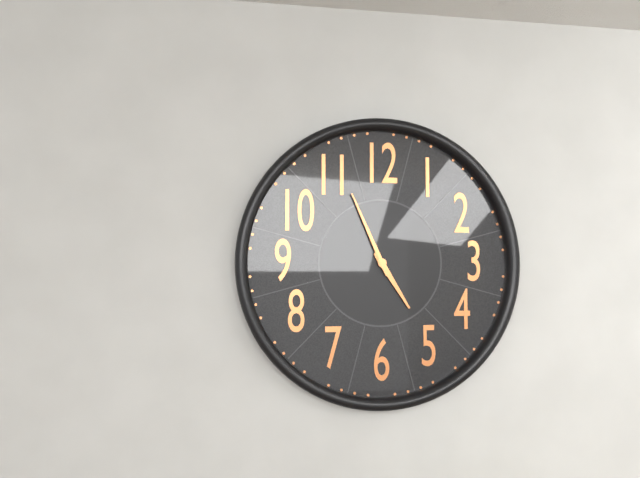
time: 4:56
